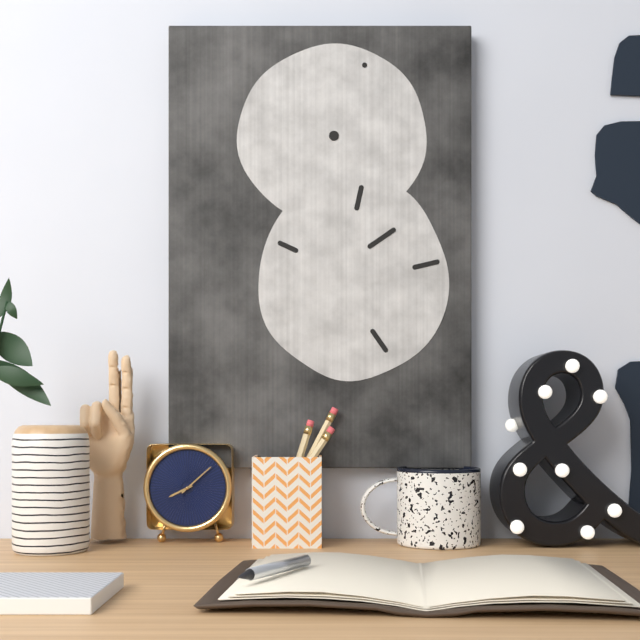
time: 8:08
